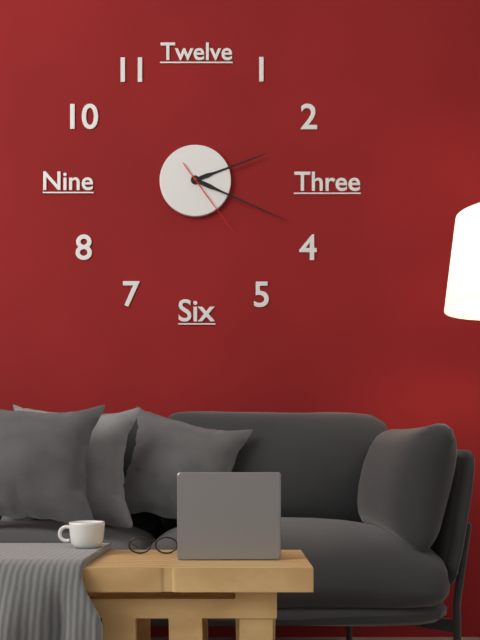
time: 2:19:24
